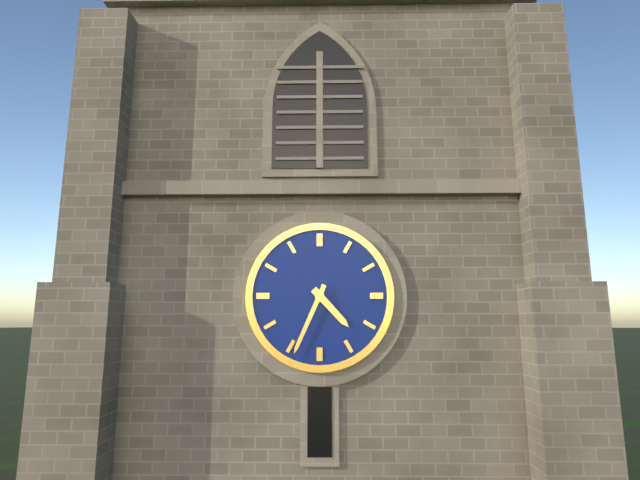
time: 4:34
